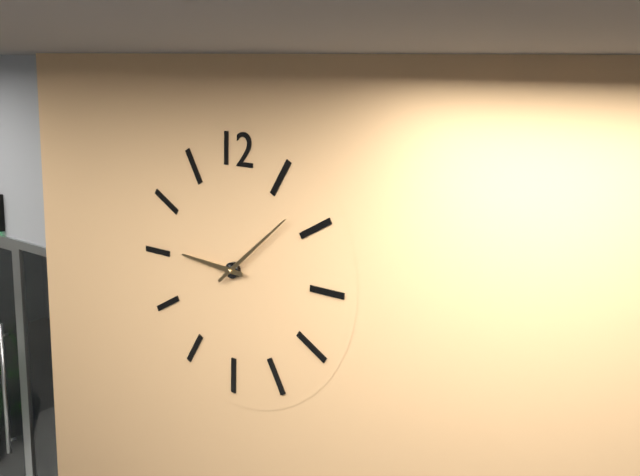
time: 9:08
